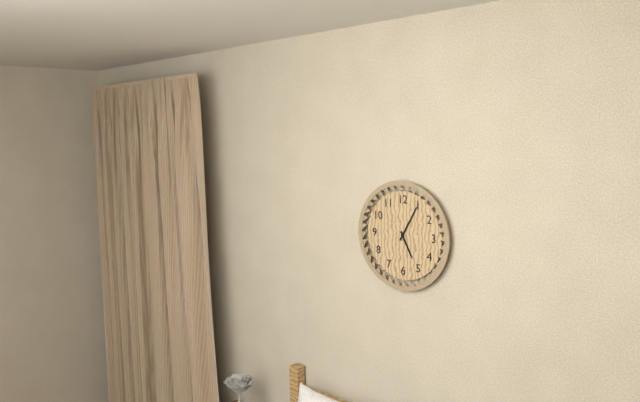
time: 5:05
